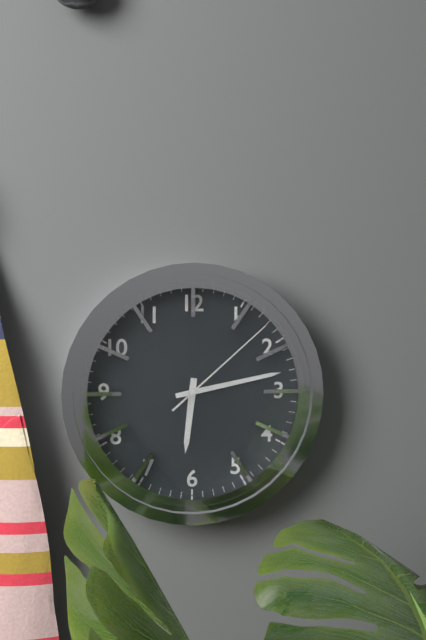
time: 6:13:08
